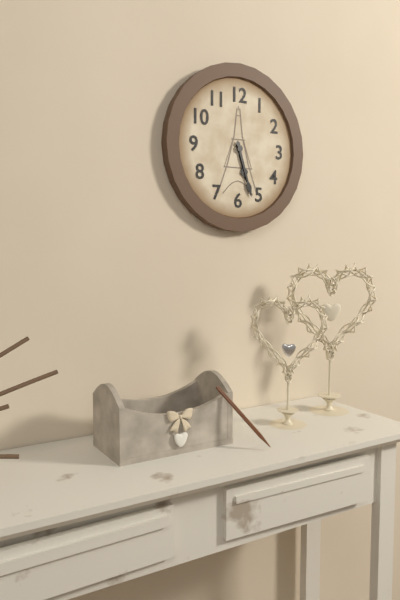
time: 5:27
